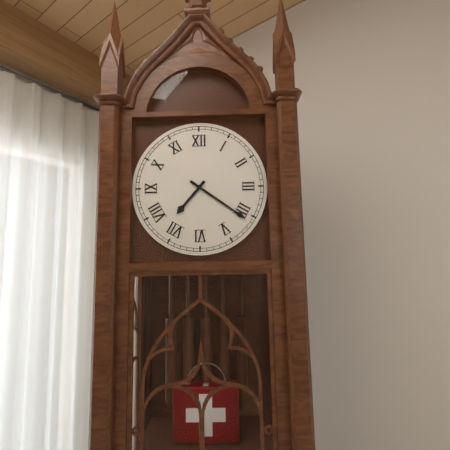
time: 7:21
